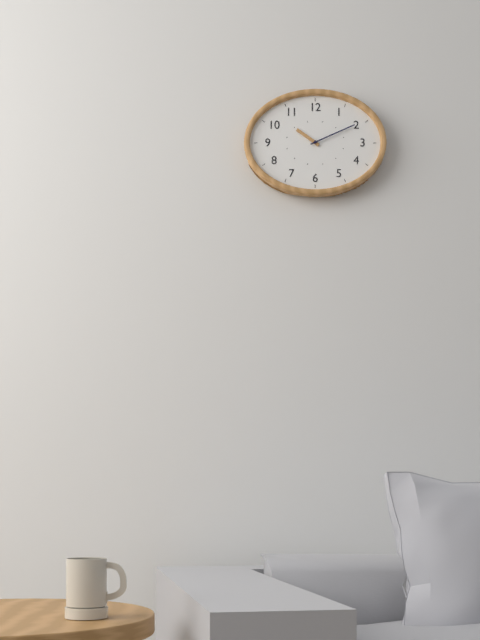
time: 10:11
